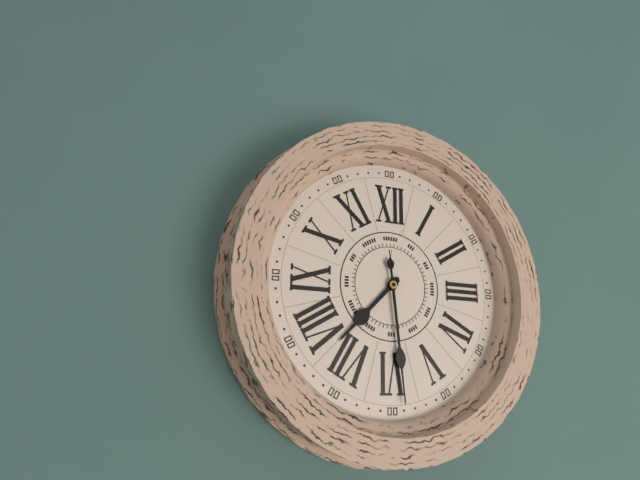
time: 7:29
